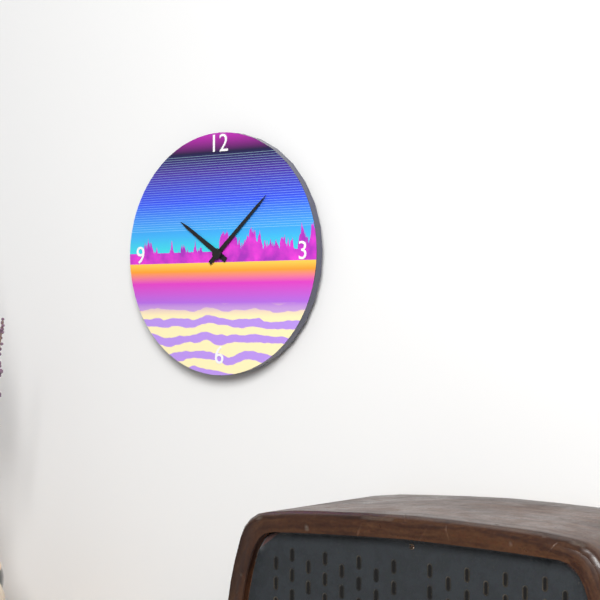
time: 10:08
